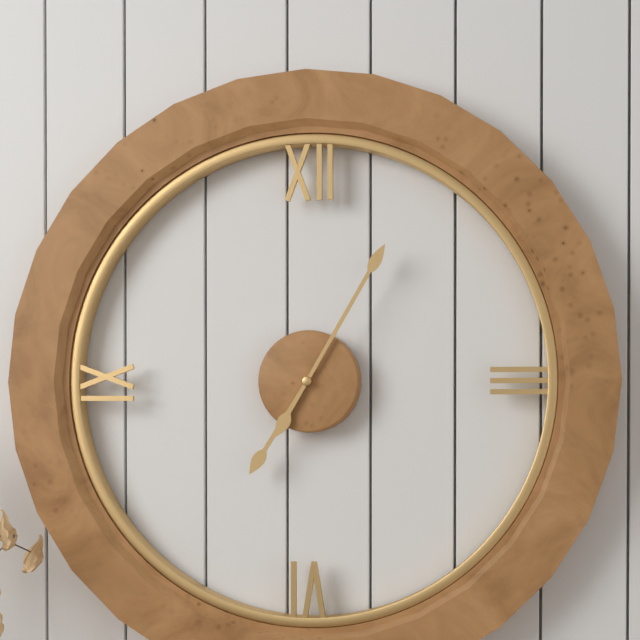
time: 7:05
